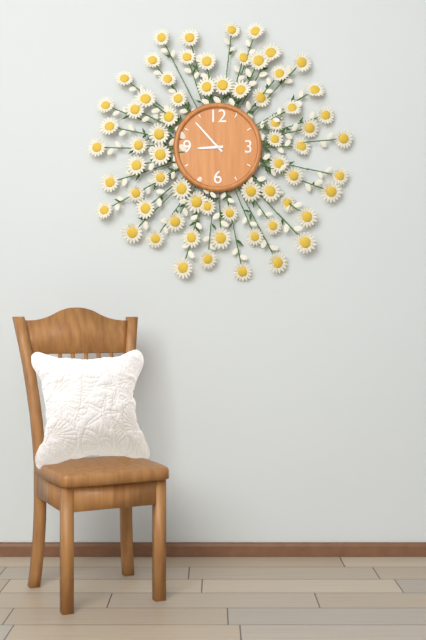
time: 8:53
